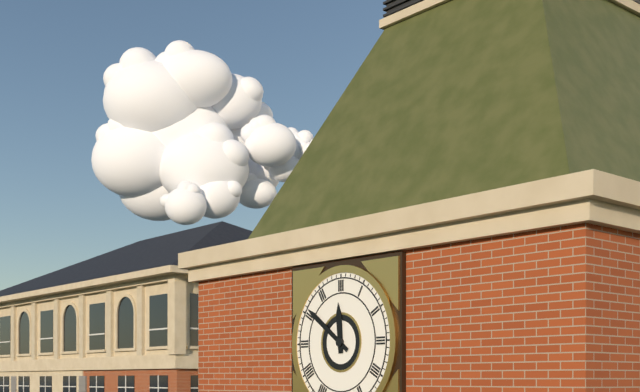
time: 11:51
